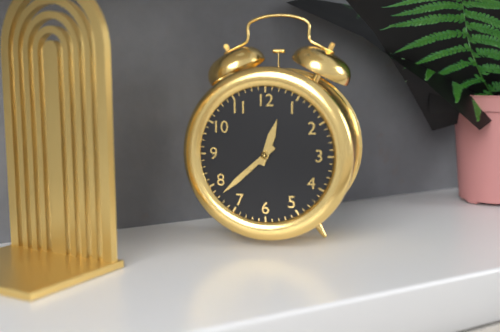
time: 12:38
